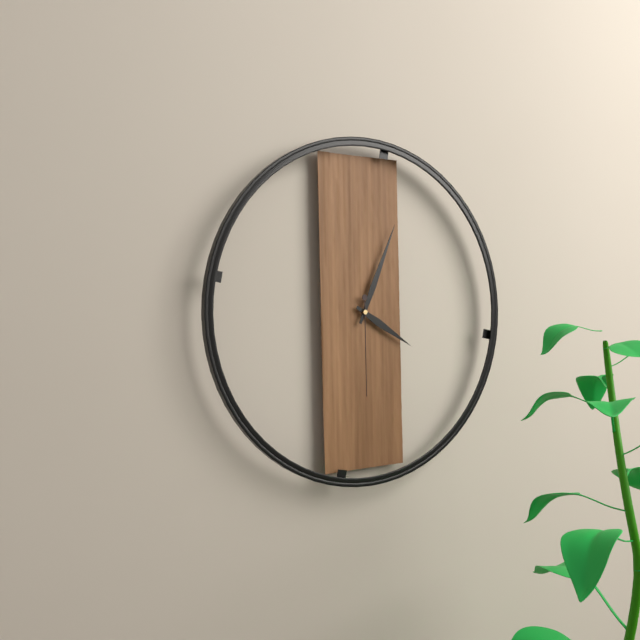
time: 4:04:30
